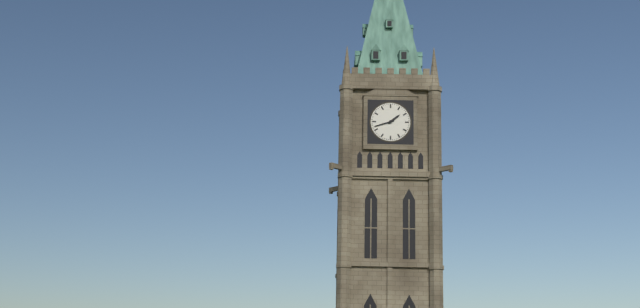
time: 1:42
